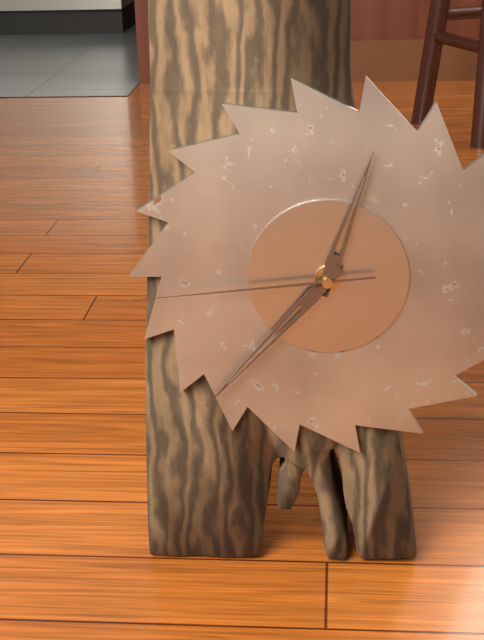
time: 12:37:44
